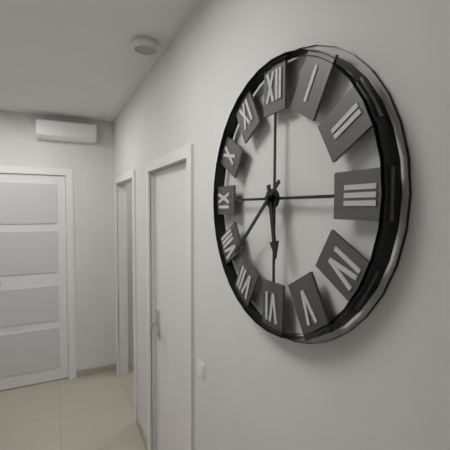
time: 5:38
